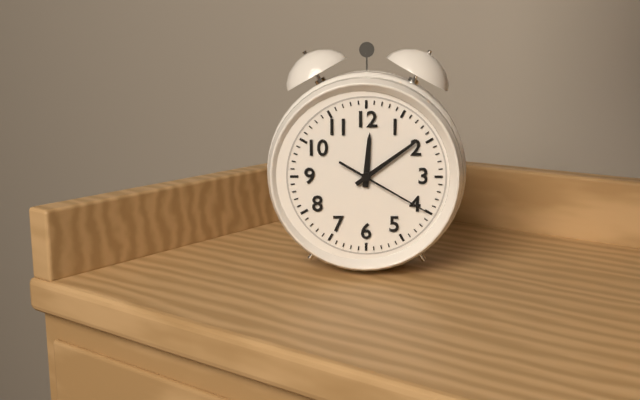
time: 12:09:20
